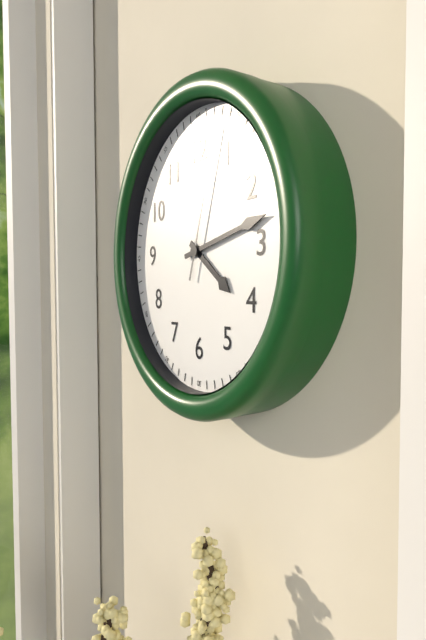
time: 4:13:03
